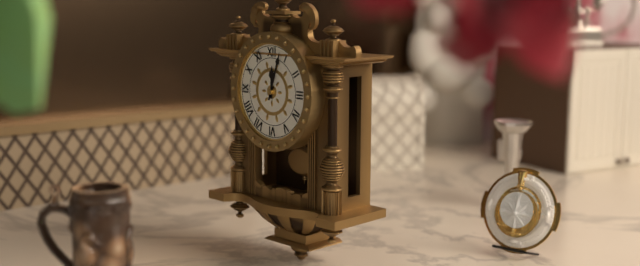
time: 12:03
